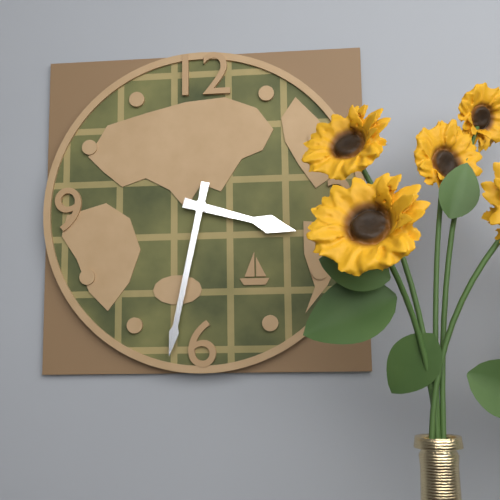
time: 3:32
